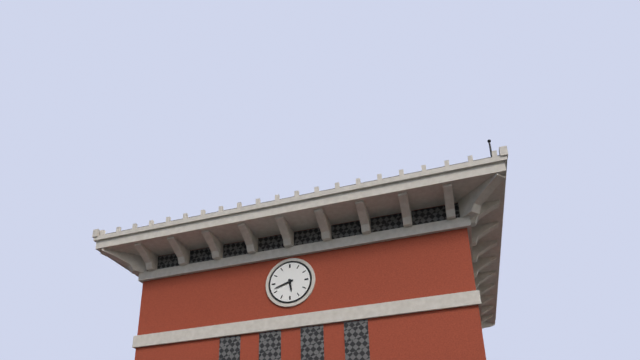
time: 5:42
